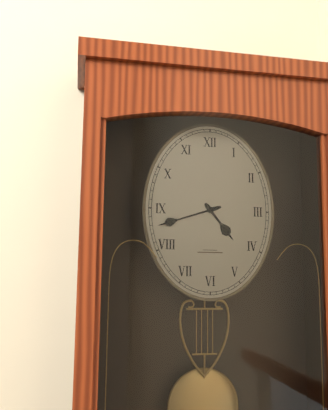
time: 4:42
